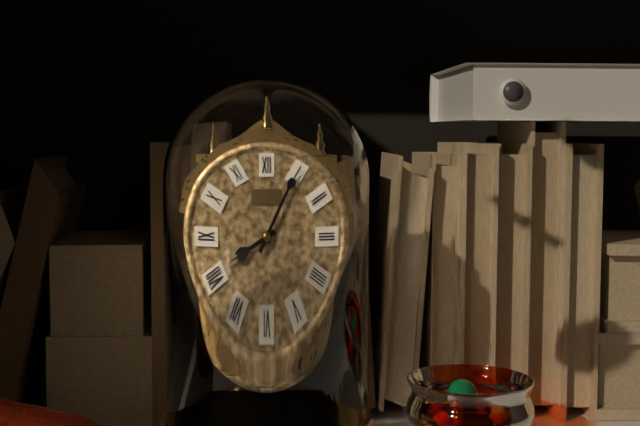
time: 8:05
